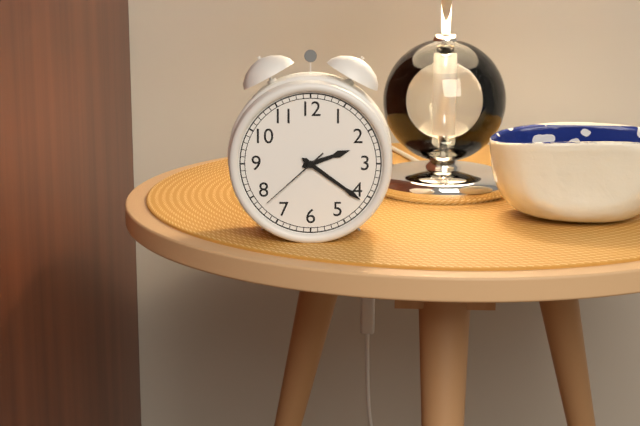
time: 2:21:38
